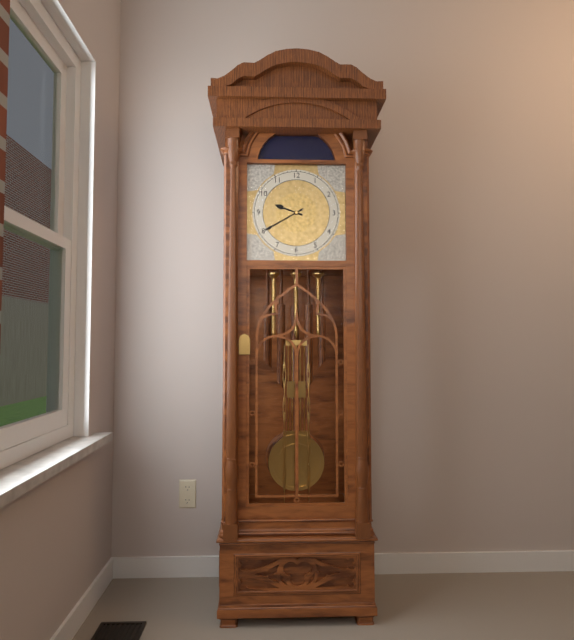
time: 9:40
